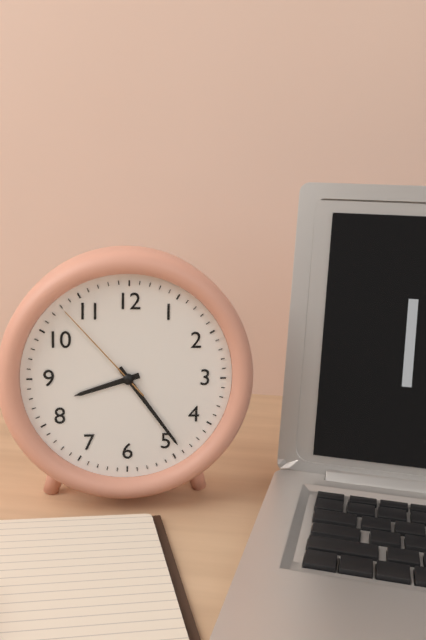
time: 8:24:53
